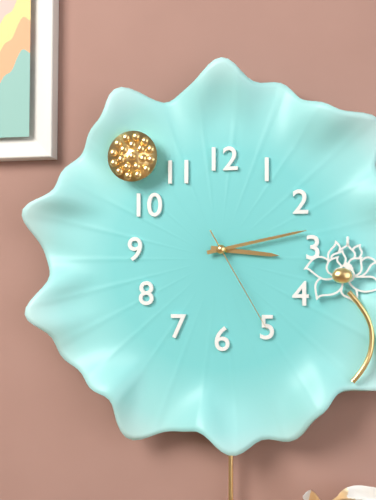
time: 3:13:25
